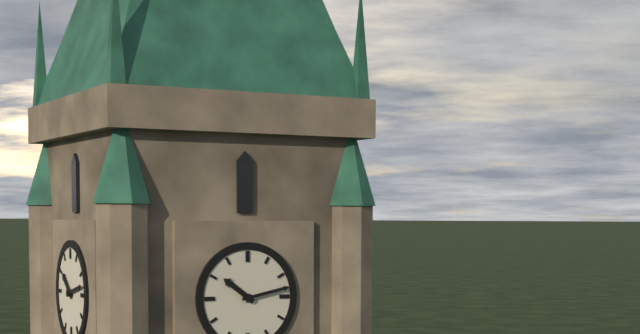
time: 10:13
